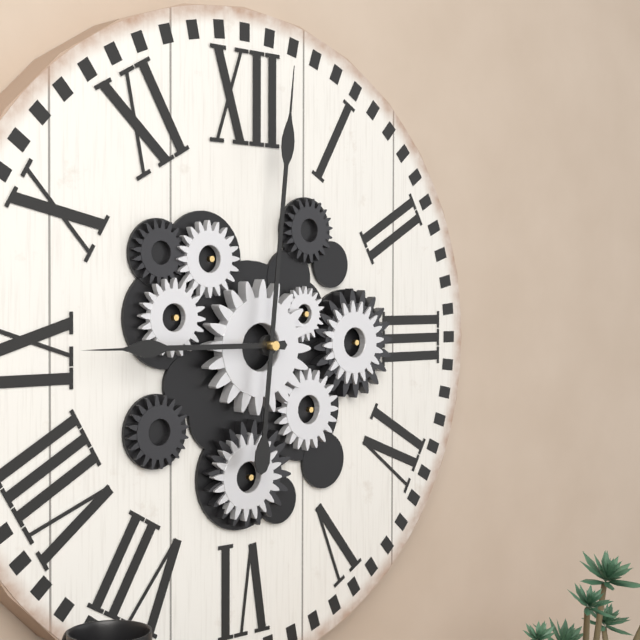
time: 9:01
